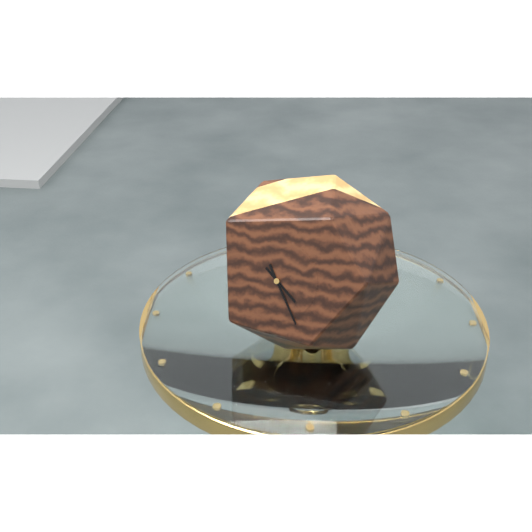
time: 4:25
